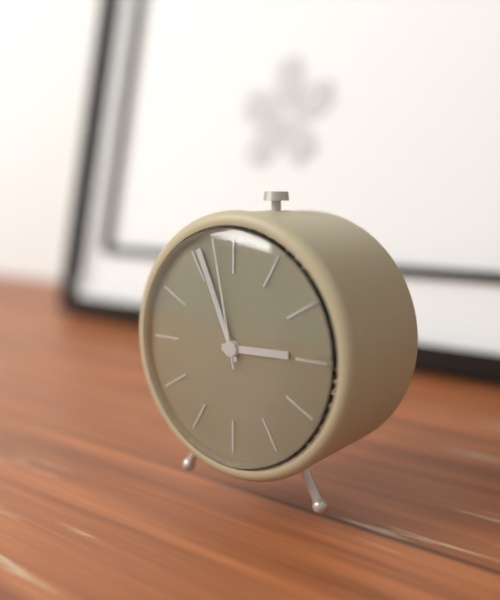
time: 2:56:58
